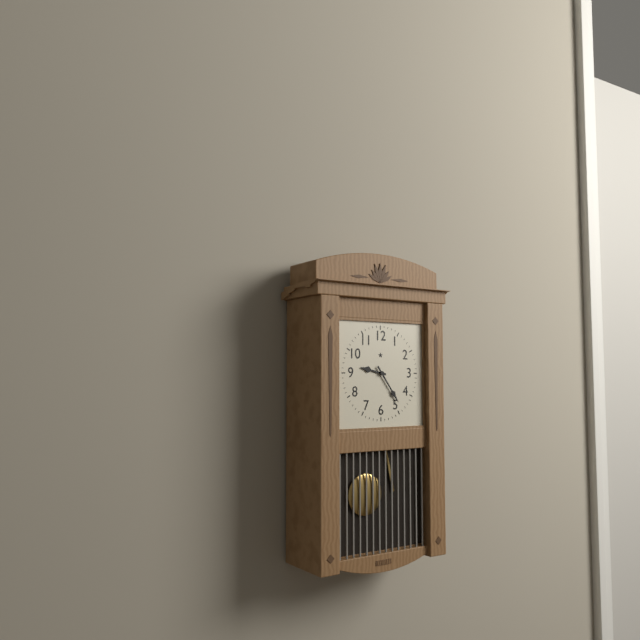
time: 9:24
